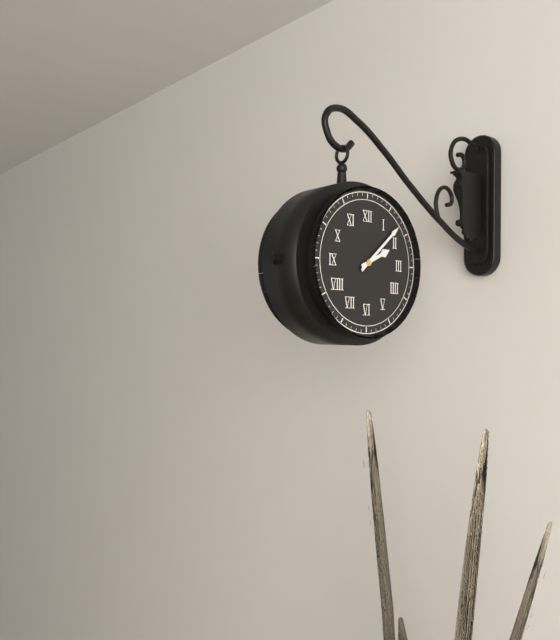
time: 2:08
